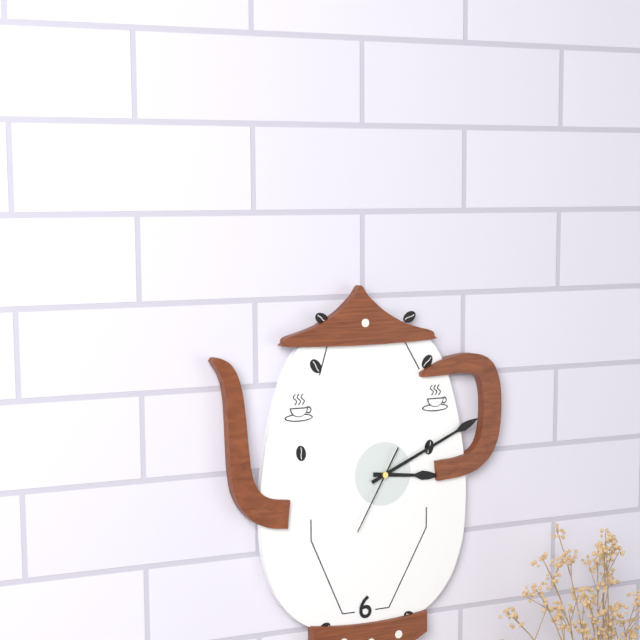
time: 3:11:35
